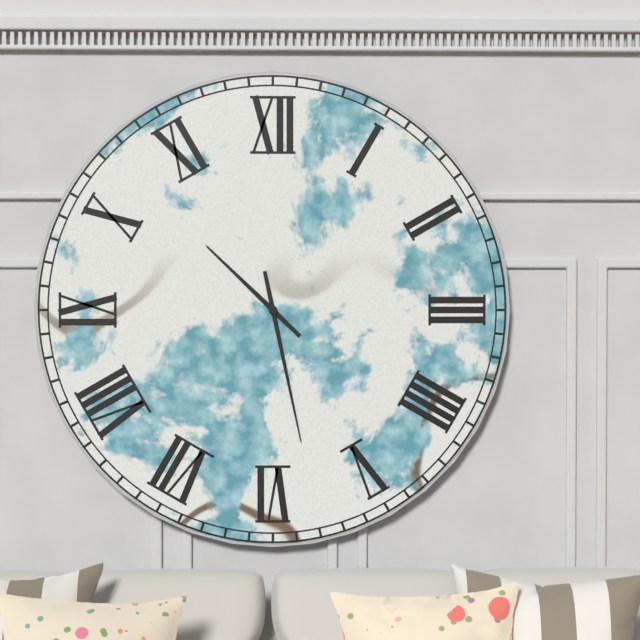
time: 10:28
